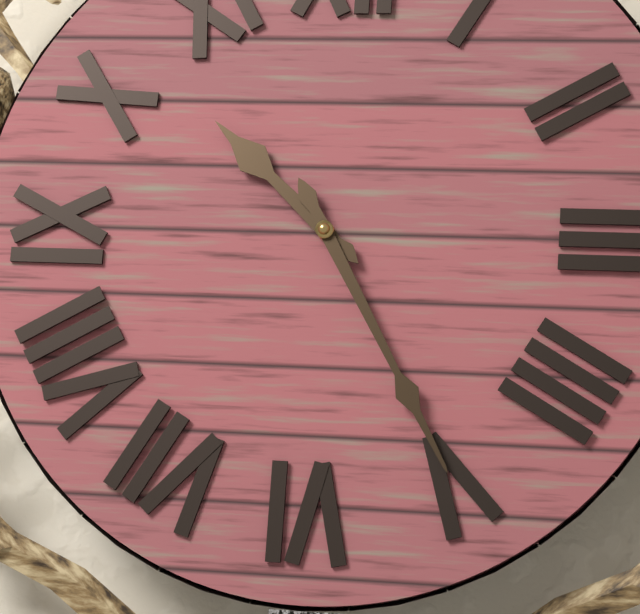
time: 10:25
